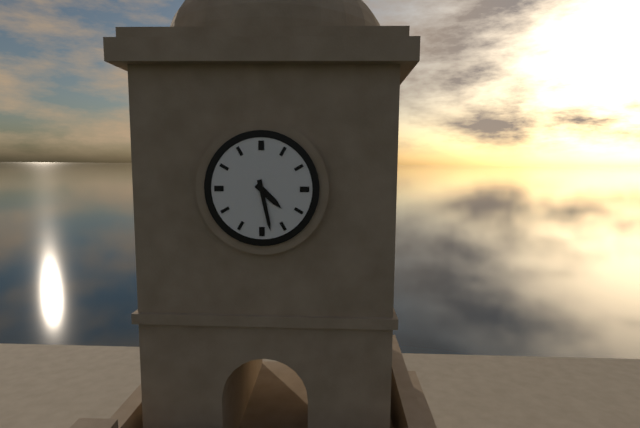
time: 4:28
